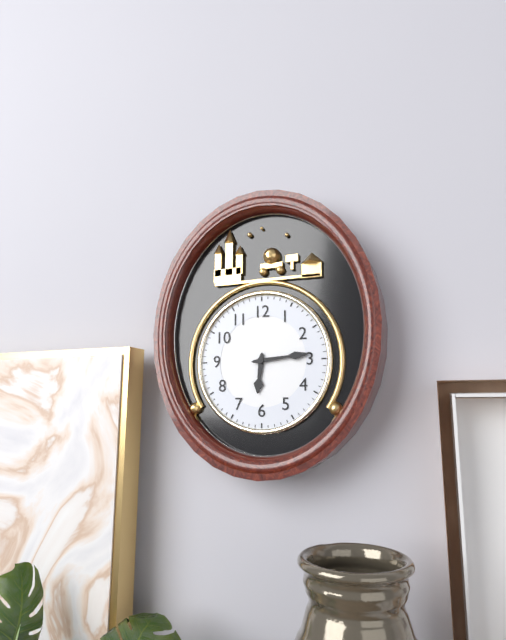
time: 6:14
